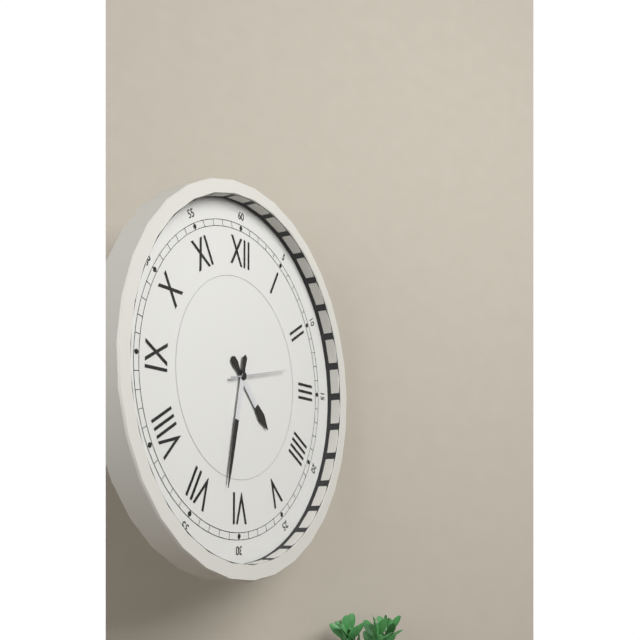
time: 4:32:13
